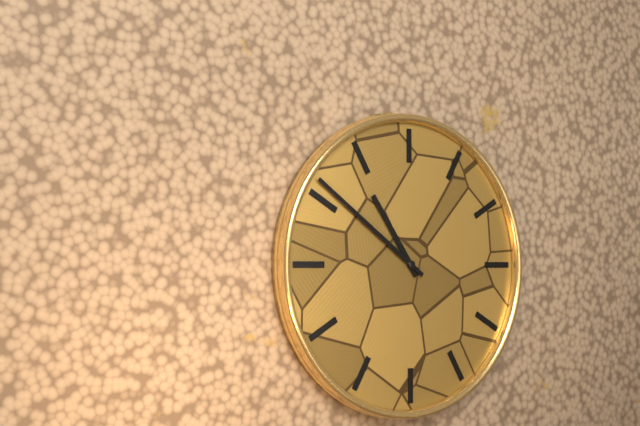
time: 10:51
